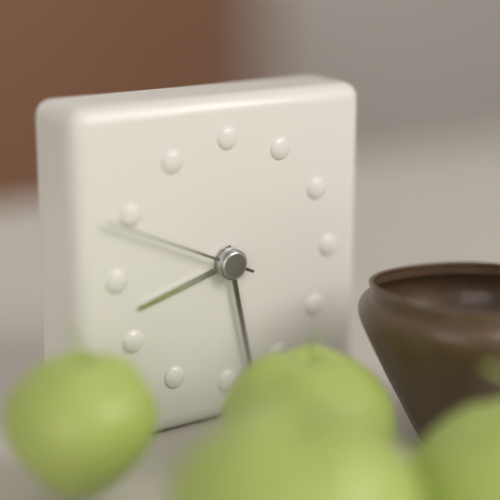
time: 8:28:49
